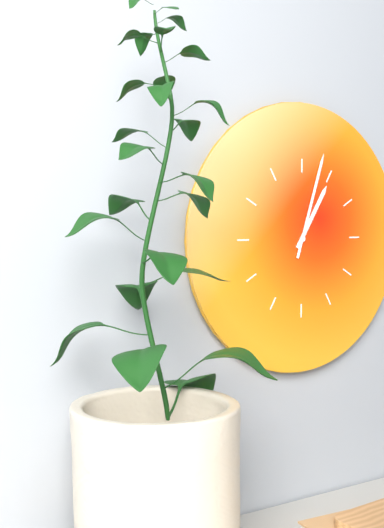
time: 1:03
